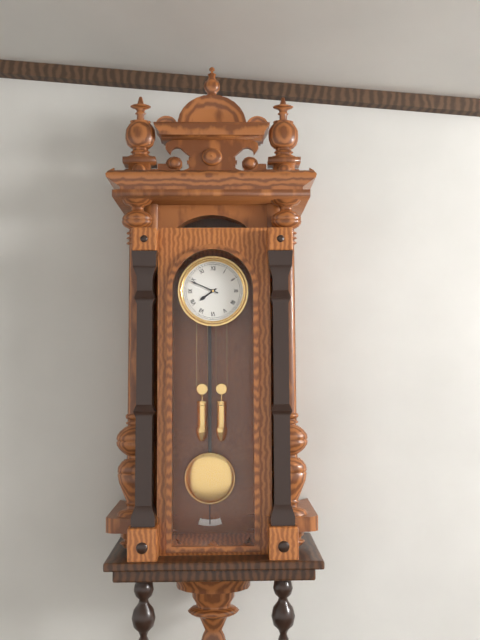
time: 7:49
